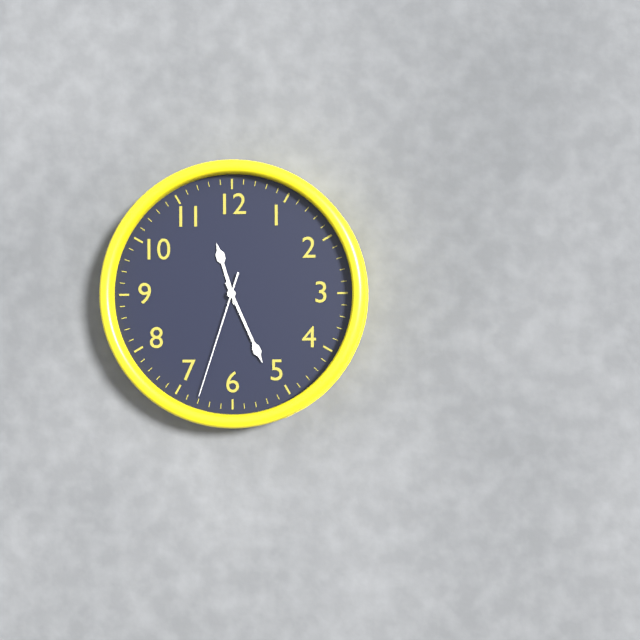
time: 11:26:33
